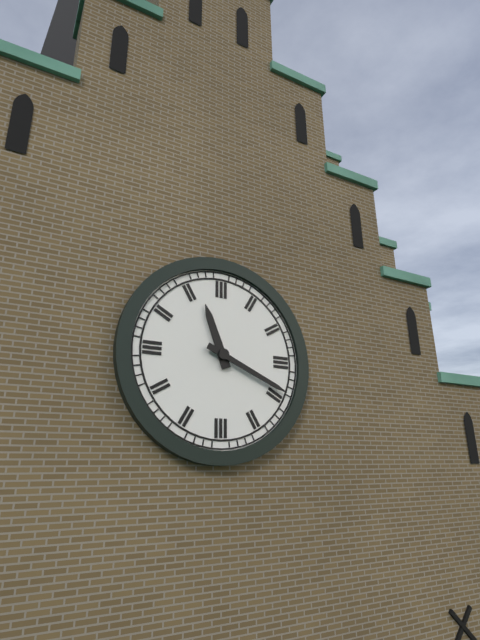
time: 11:19
